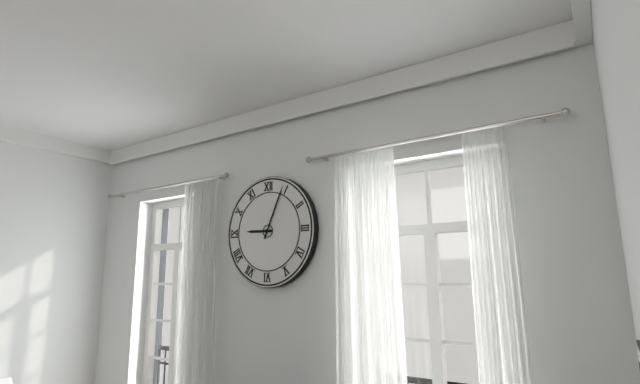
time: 9:04
